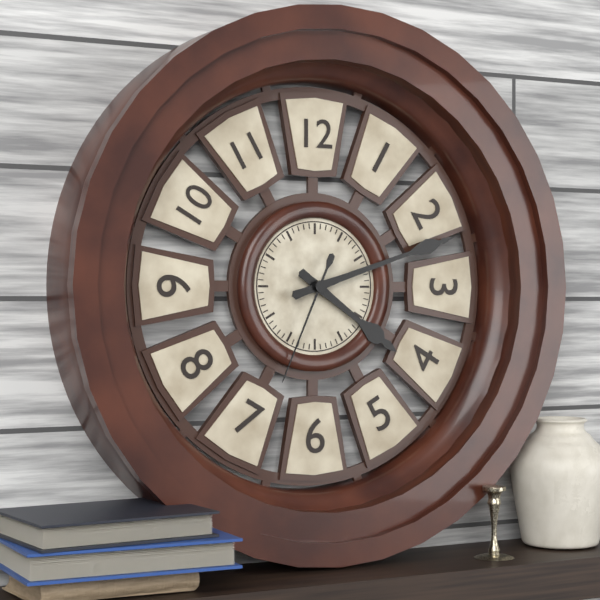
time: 4:12:34
